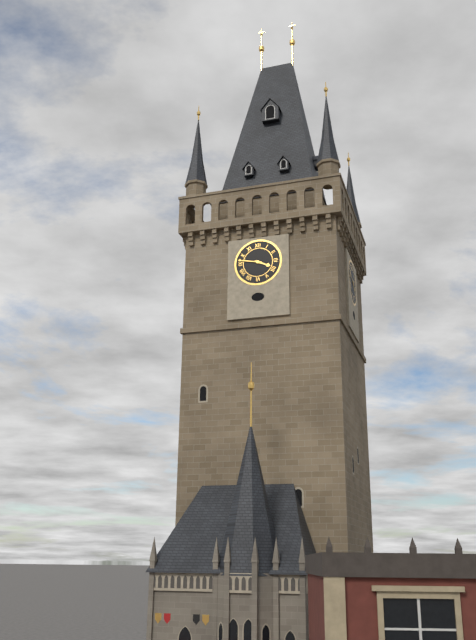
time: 3:47
